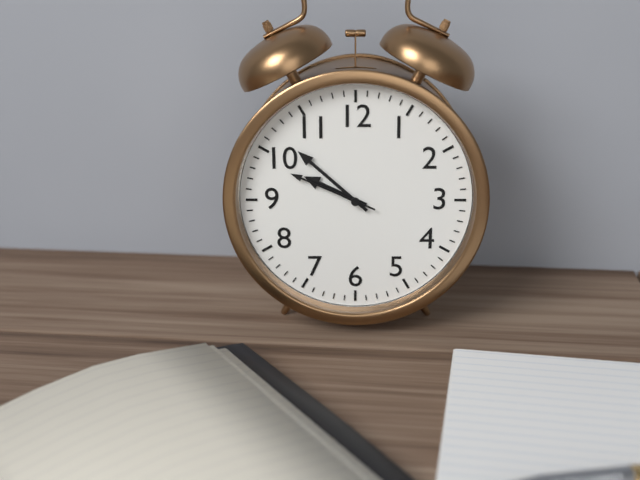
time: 9:52:49
